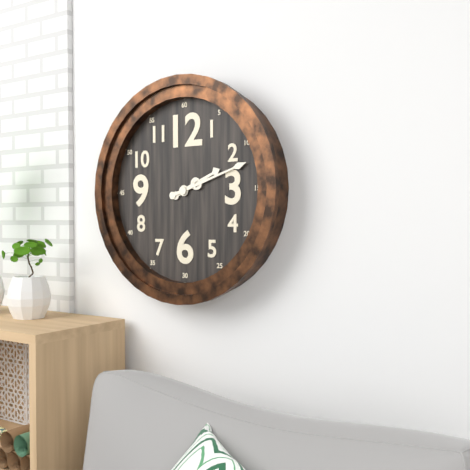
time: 2:12
